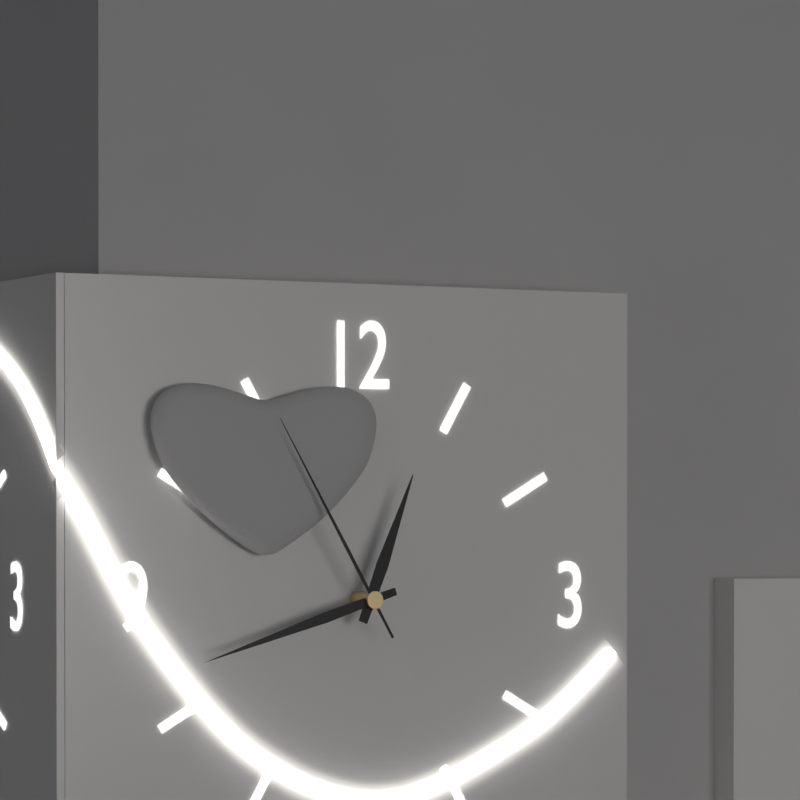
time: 12:42:55
